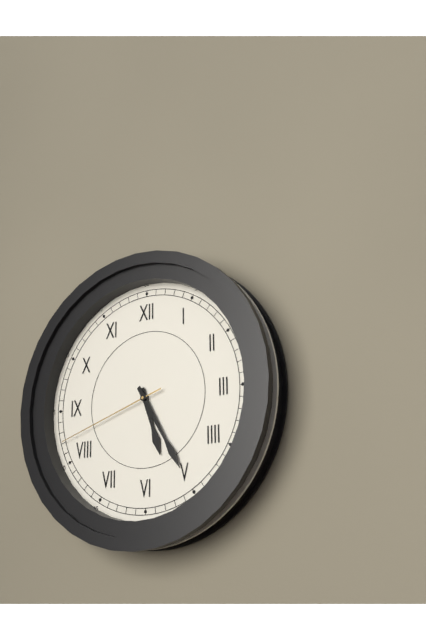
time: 5:25:42
